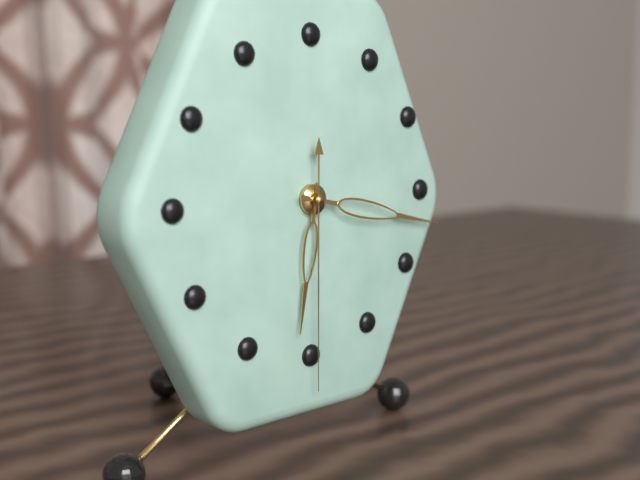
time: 6:17:30
